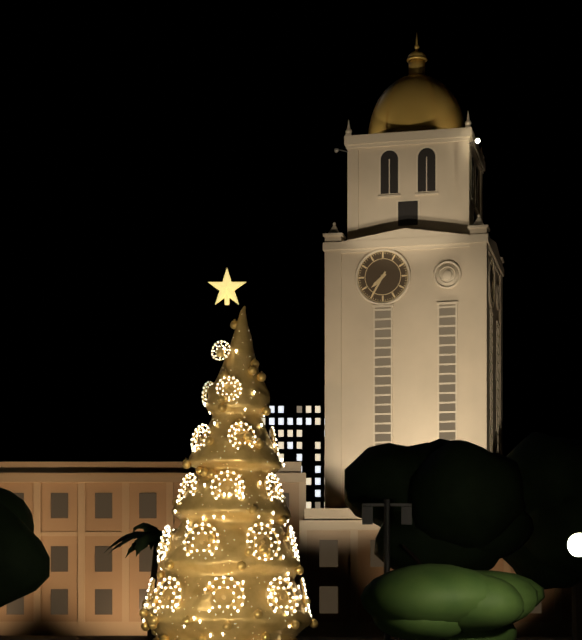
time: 7:35
